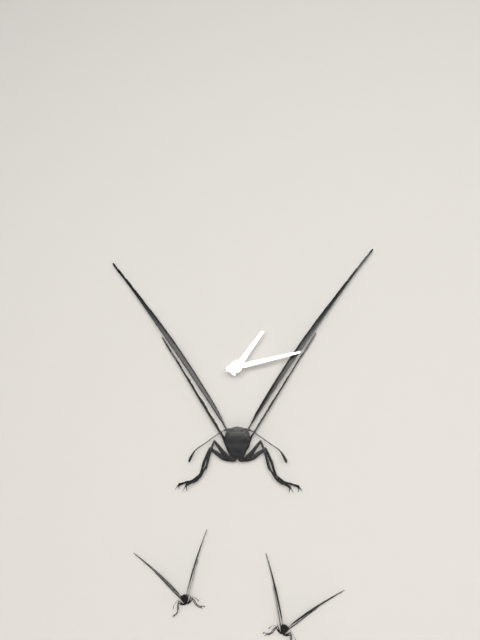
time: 1:13
